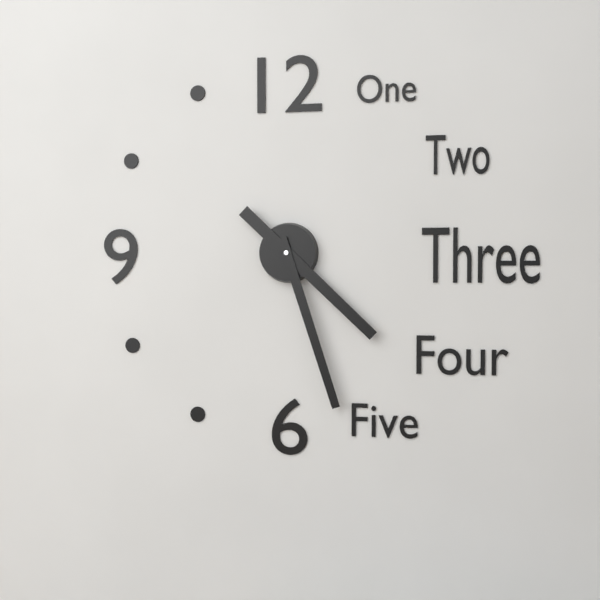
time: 4:27
